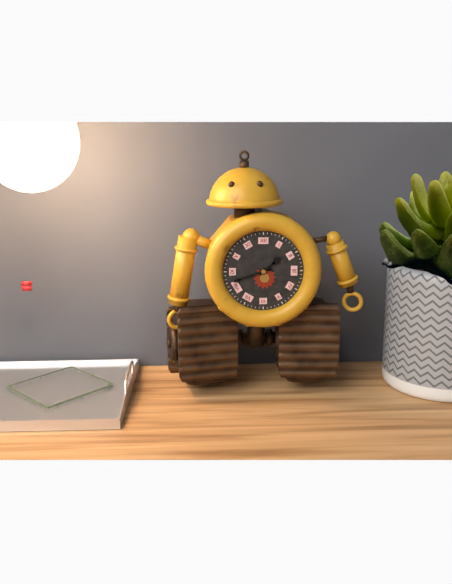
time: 1:42
